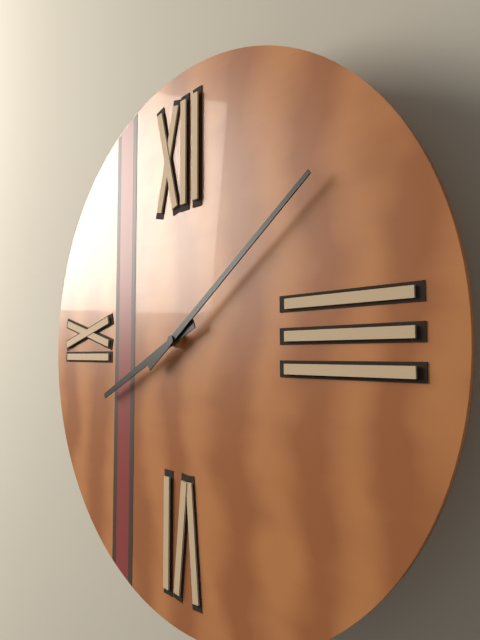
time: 8:09
